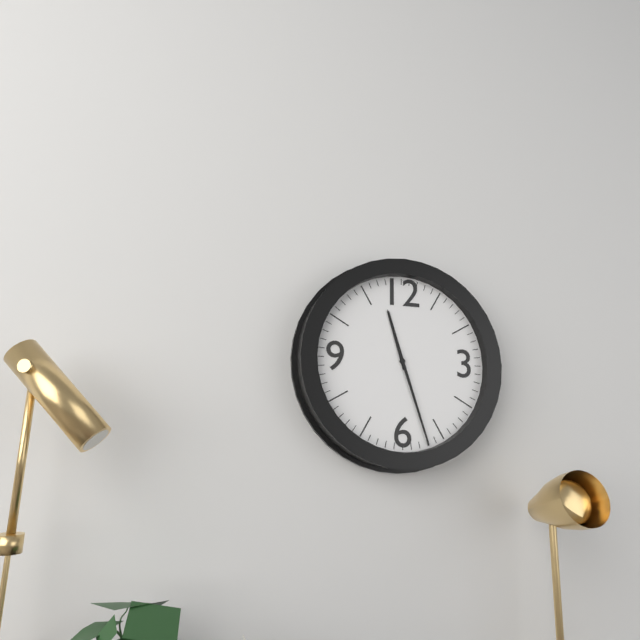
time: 11:27
